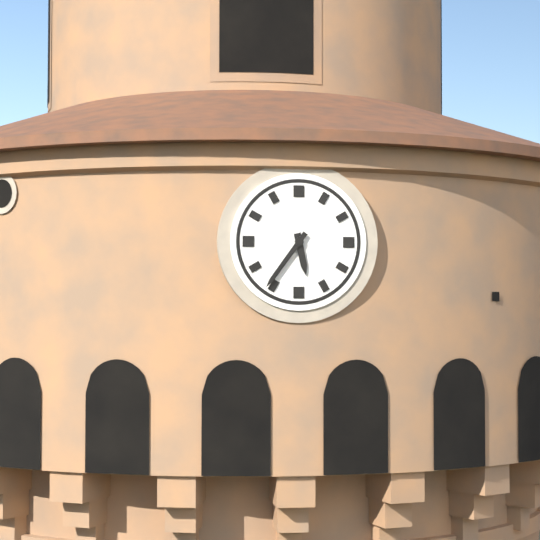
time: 5:36
